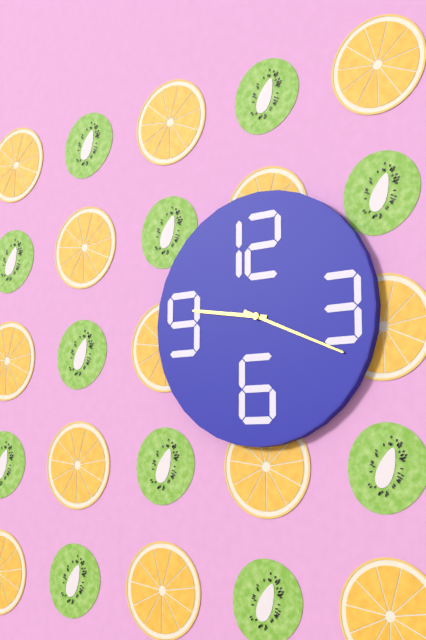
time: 9:19
